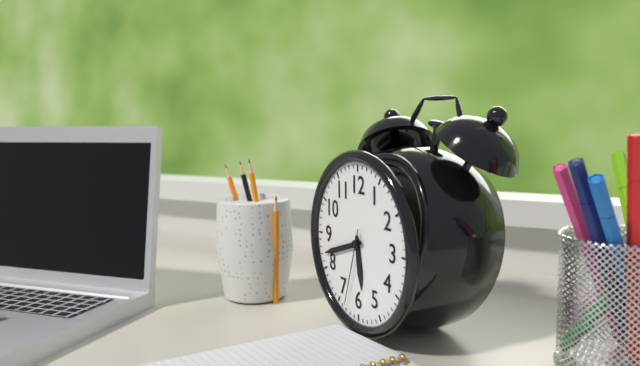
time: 5:42:33
